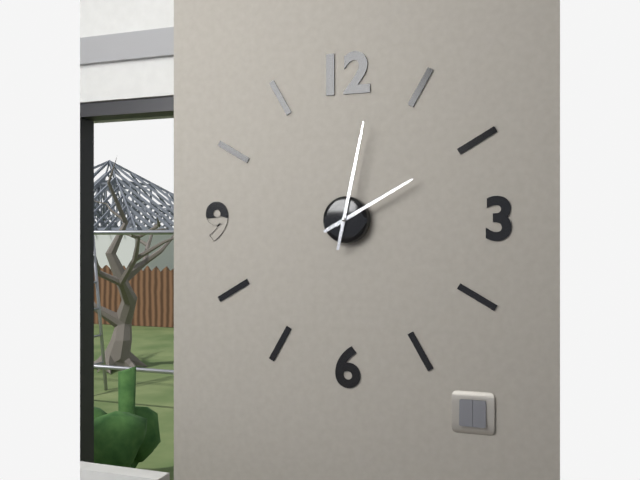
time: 2:02
